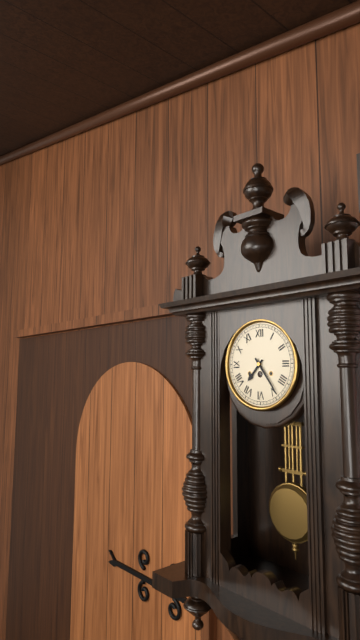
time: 7:24
